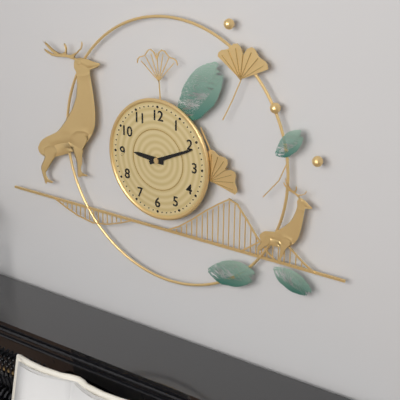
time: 9:11
